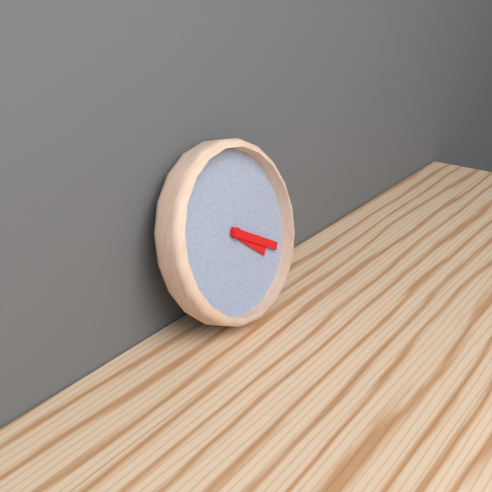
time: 4:20
